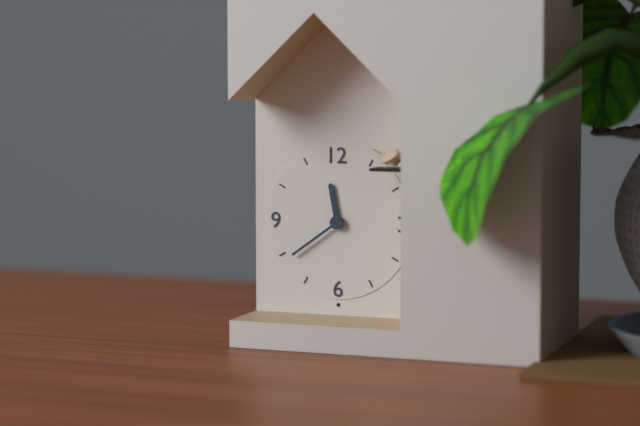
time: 11:39
